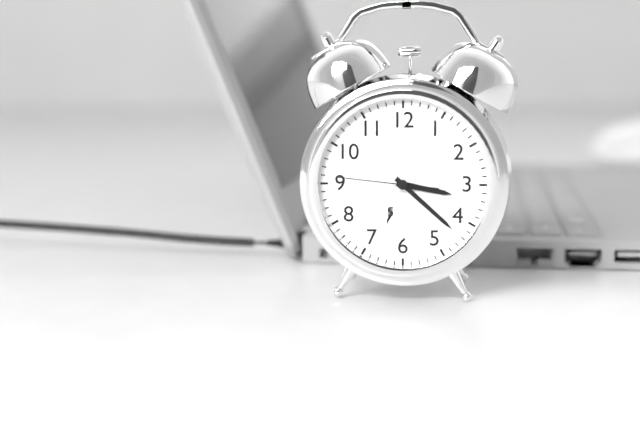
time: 3:22:46
